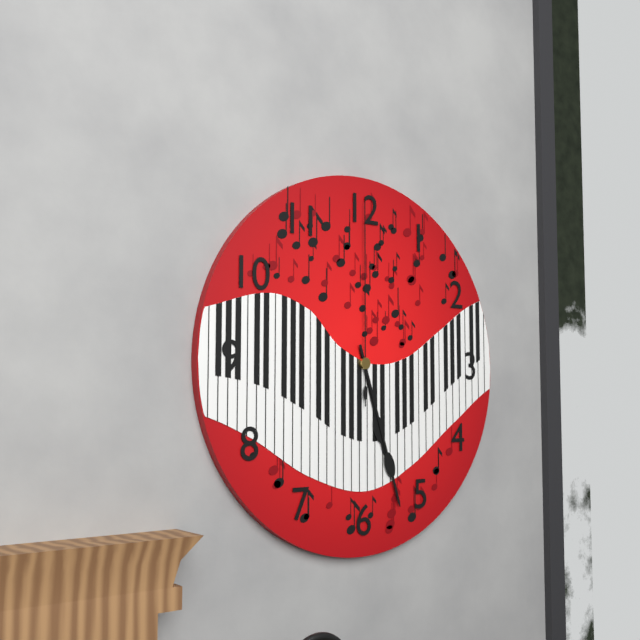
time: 5:27:00
